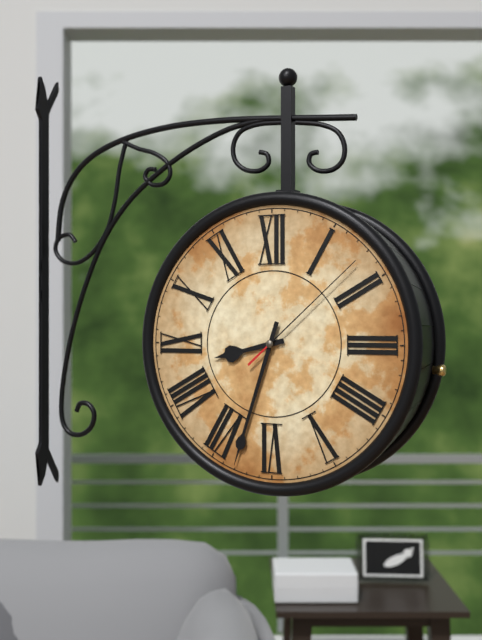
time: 8:33:08
